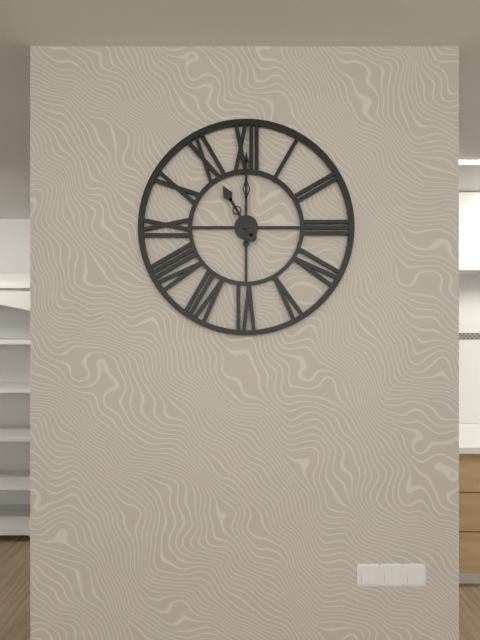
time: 11:00
